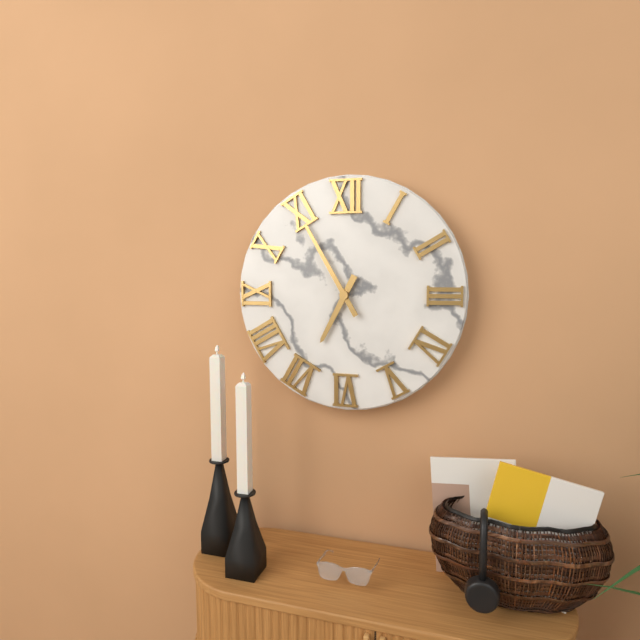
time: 6:55
